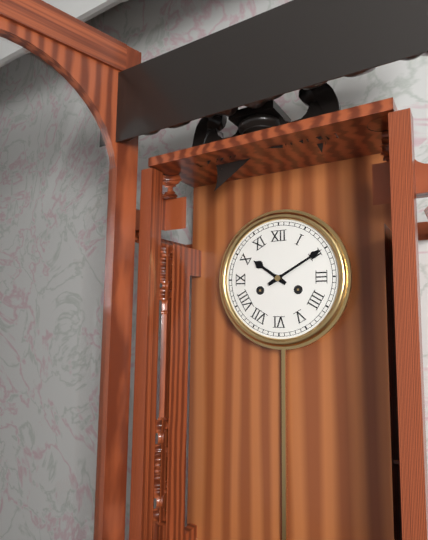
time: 10:10
